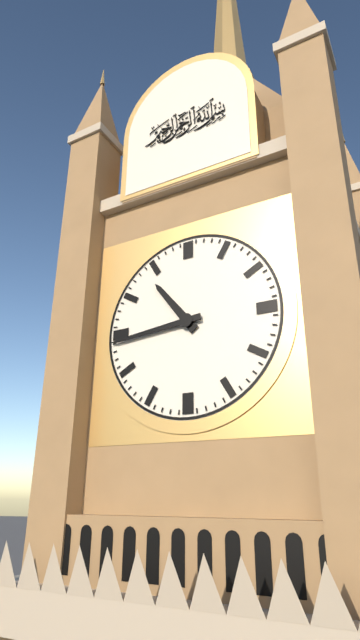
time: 10:44
